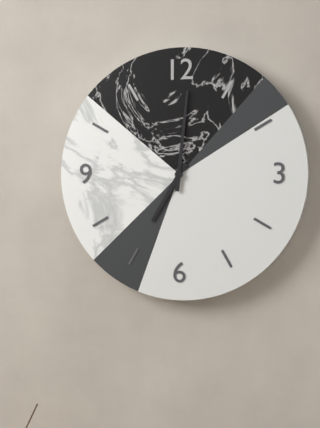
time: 7:01
